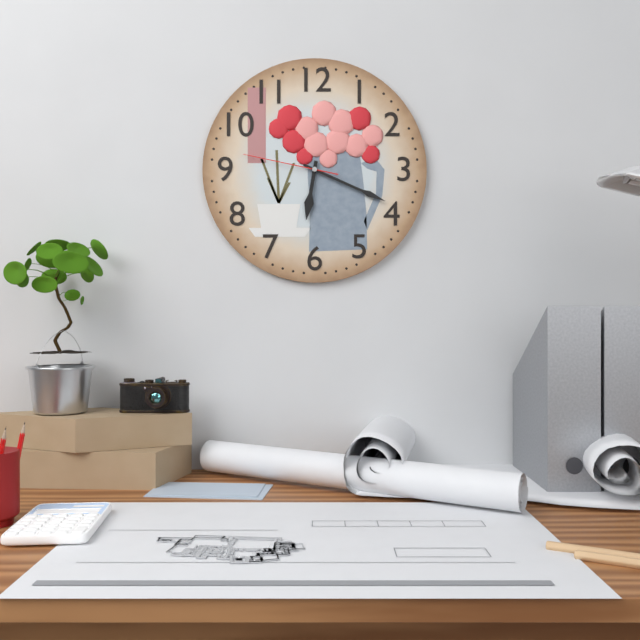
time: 6:19:47
